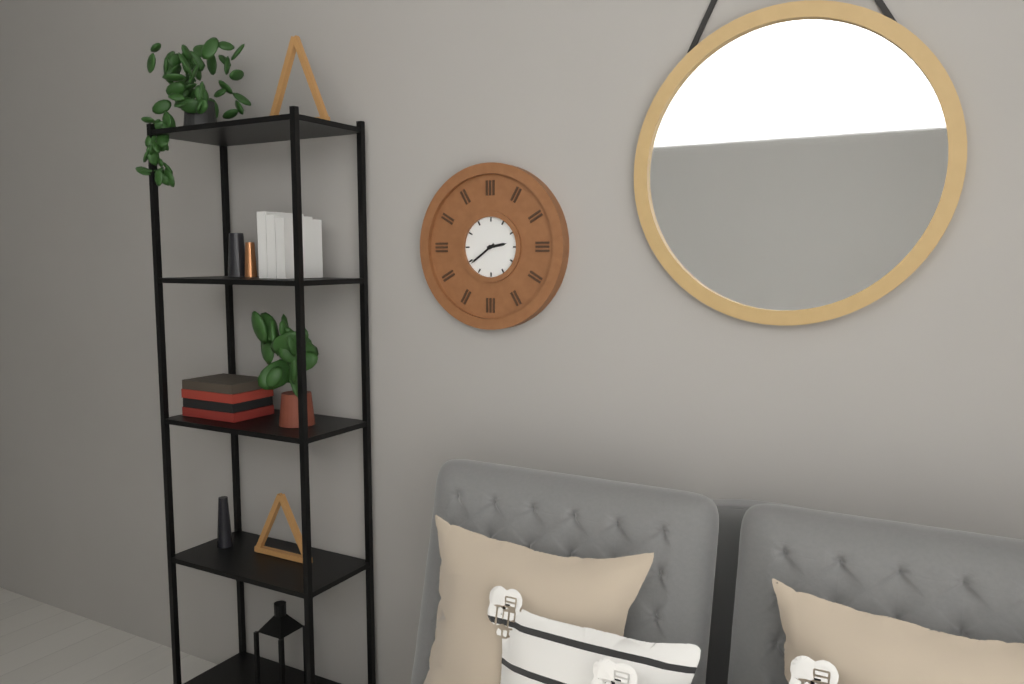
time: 2:39
